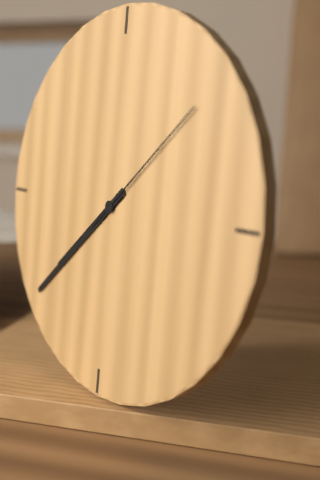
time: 7:38:08
